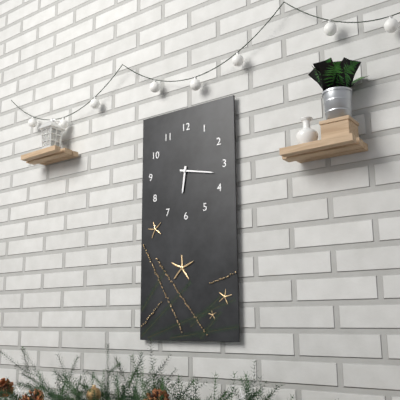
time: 6:17
